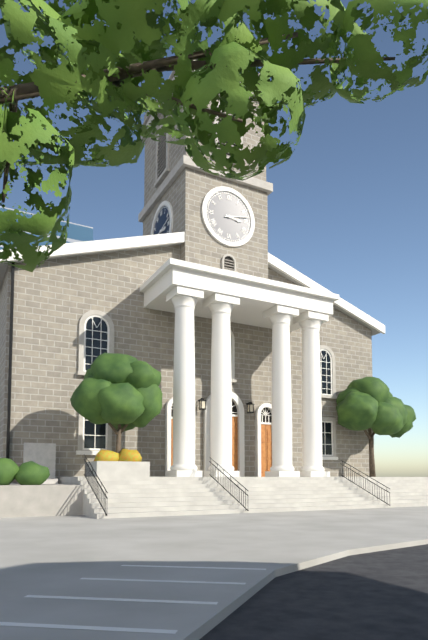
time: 3:13
